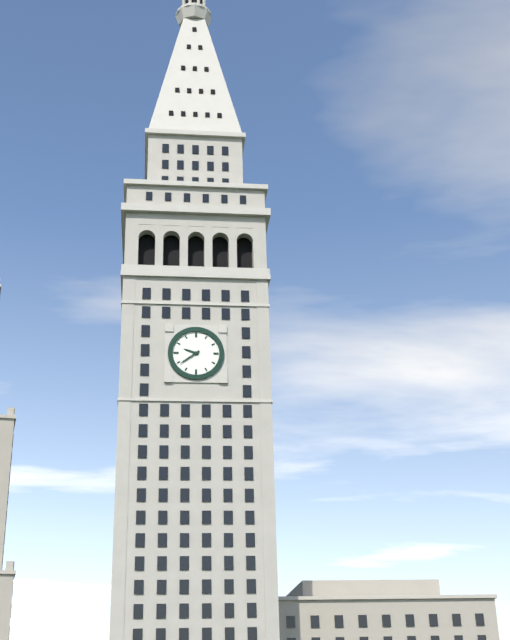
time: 9:39
